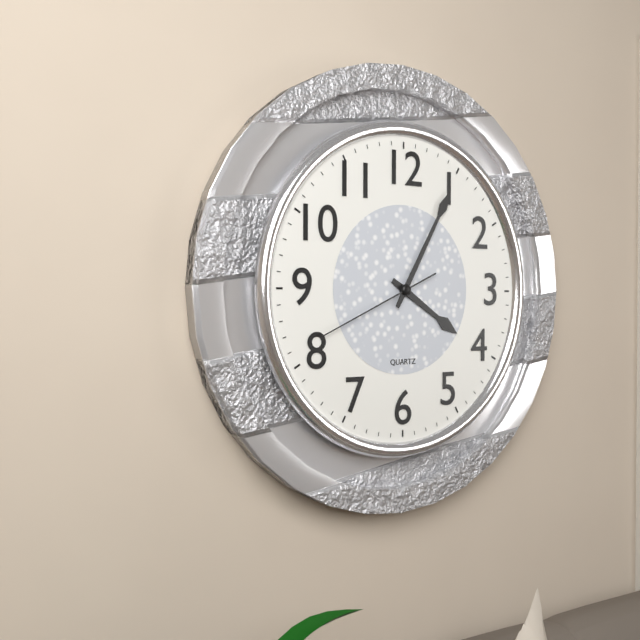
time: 4:05:41
